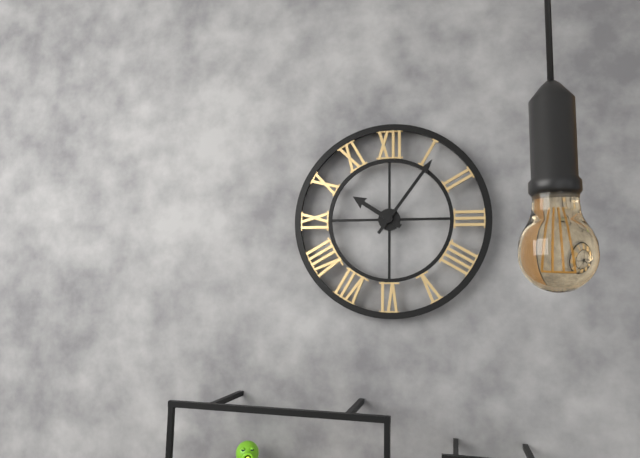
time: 10:06
